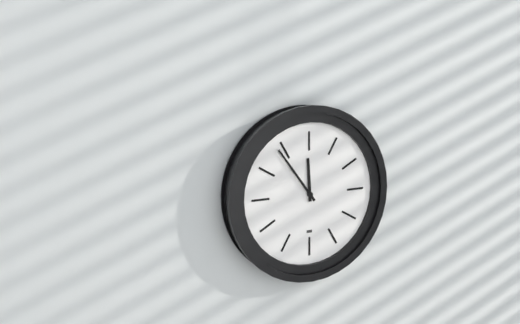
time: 11:54
